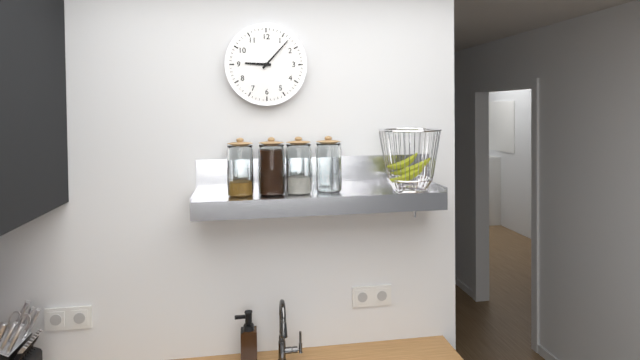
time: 9:07
